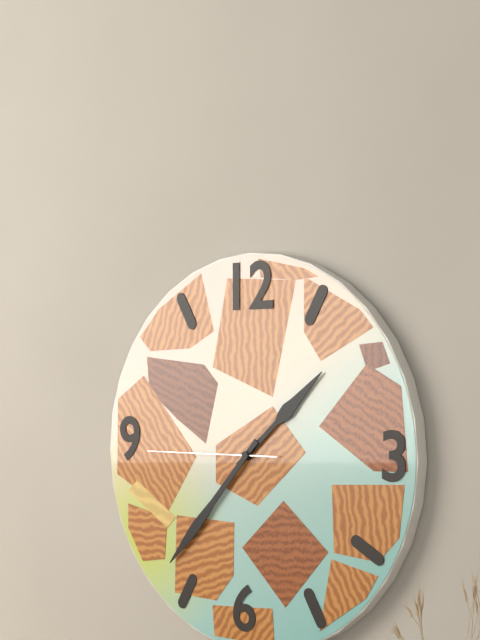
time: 1:37:45
